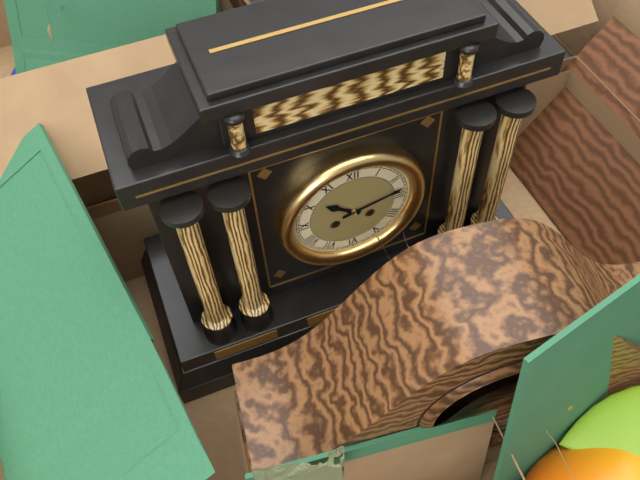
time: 10:13
